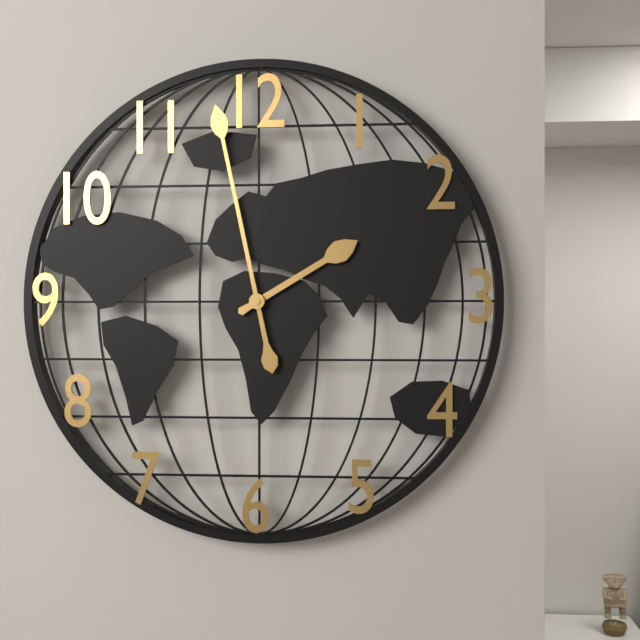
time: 1:58
